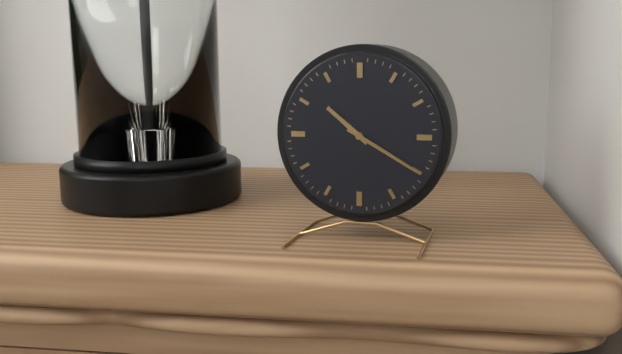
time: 10:20
